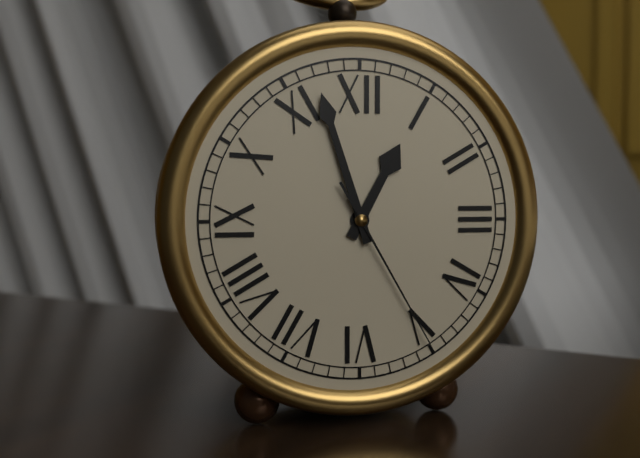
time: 12:57:25
